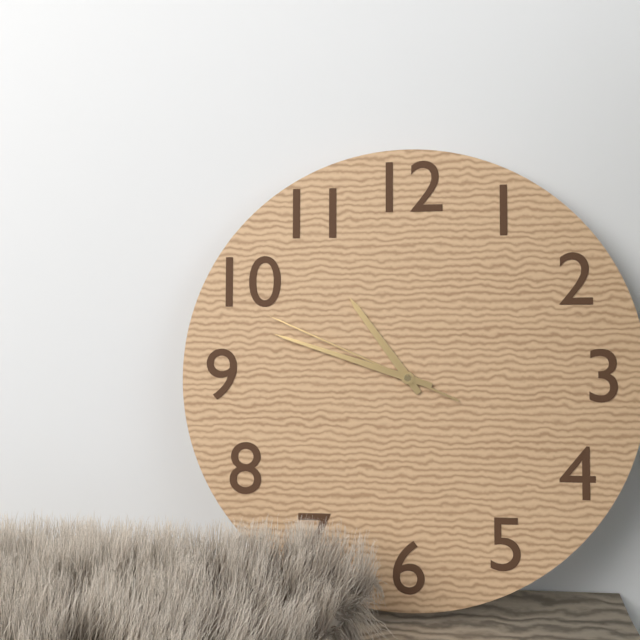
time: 10:48:49
